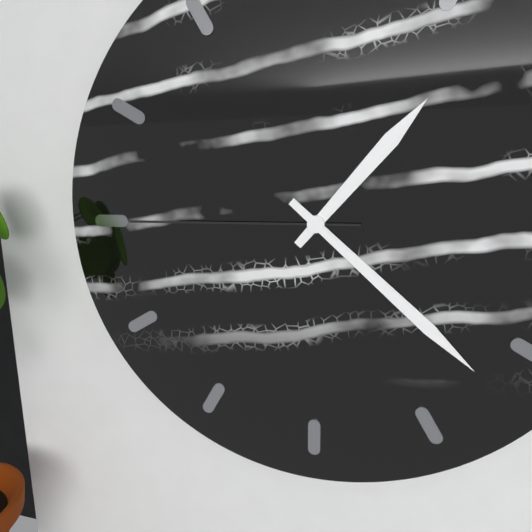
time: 1:22:45
